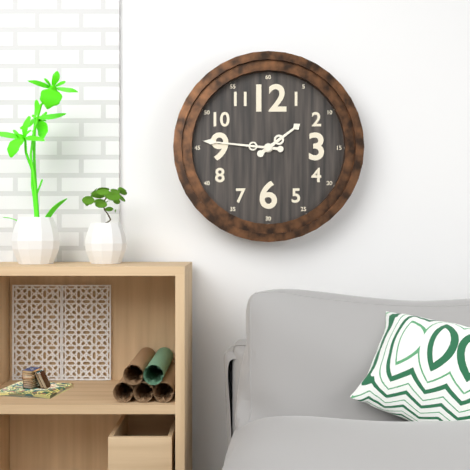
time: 1:46
